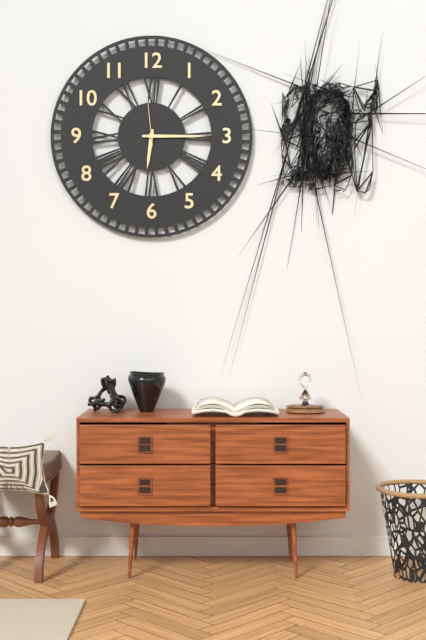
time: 6:15:59
